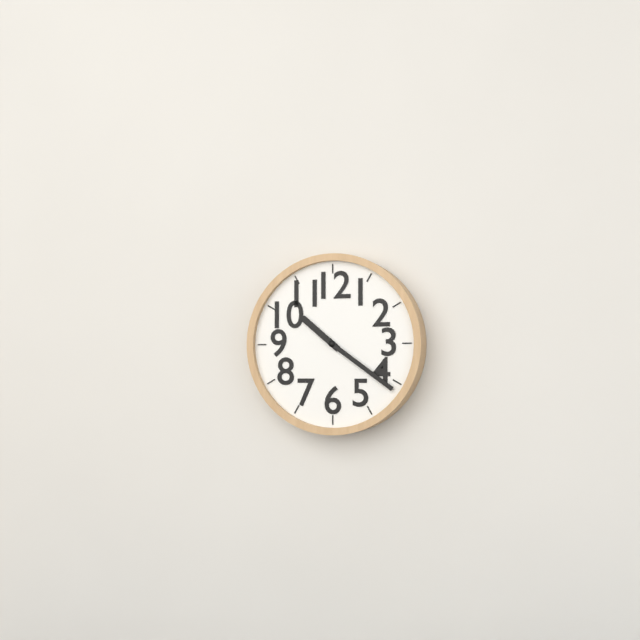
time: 10:21
